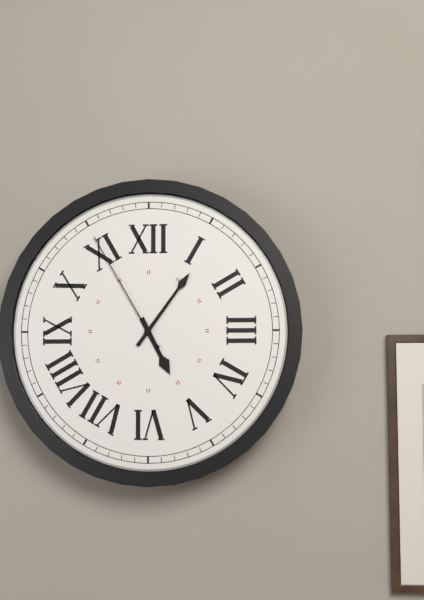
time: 5:06:55
